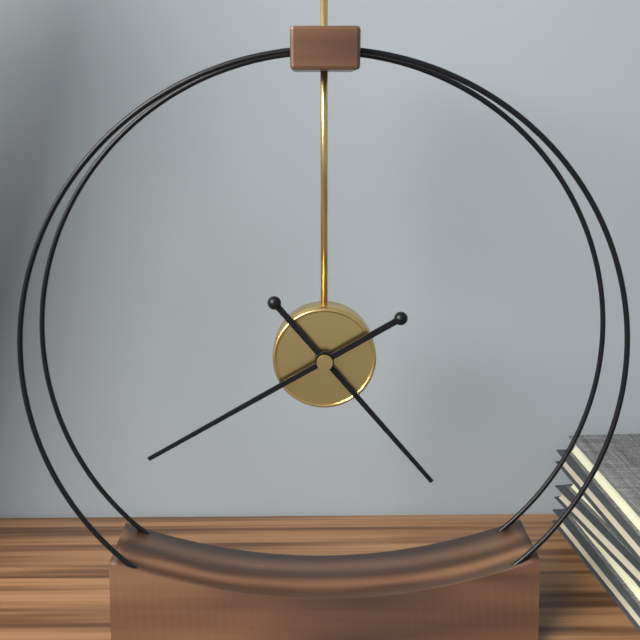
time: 4:40
